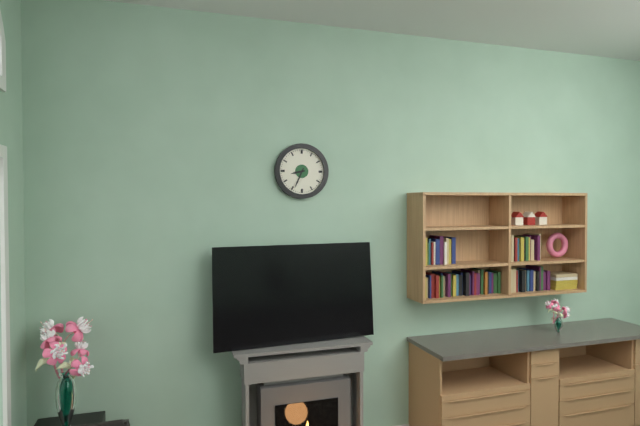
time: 8:34
